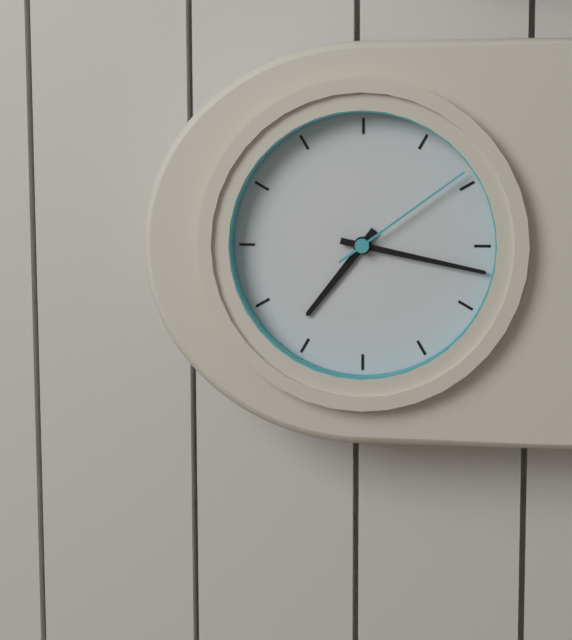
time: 7:17:09
